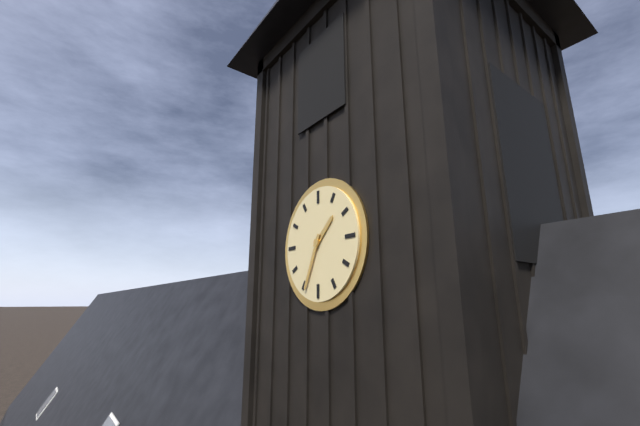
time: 1:34
